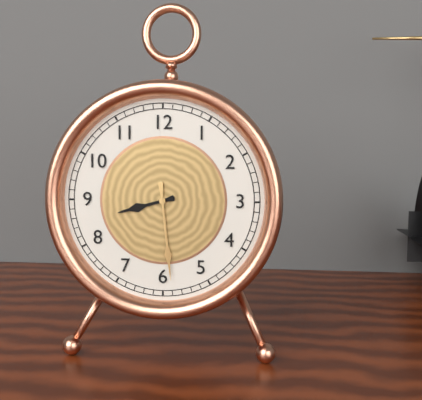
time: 8:29
